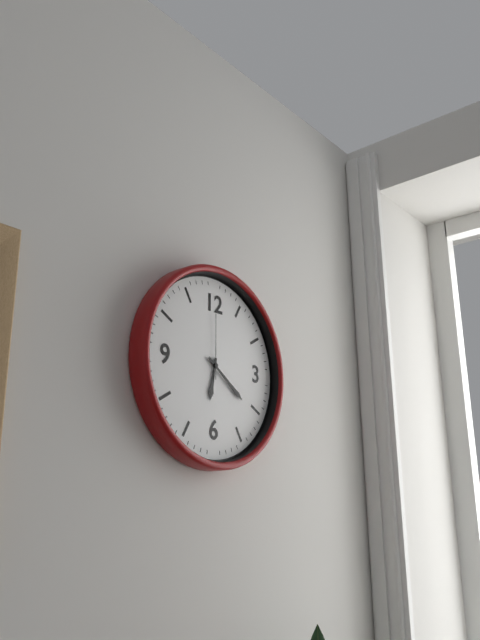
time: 6:21:00
